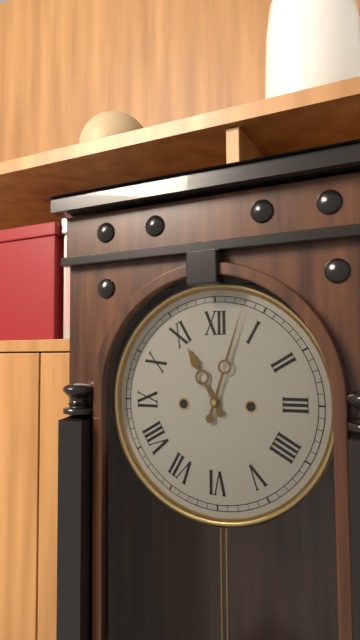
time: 11:03
